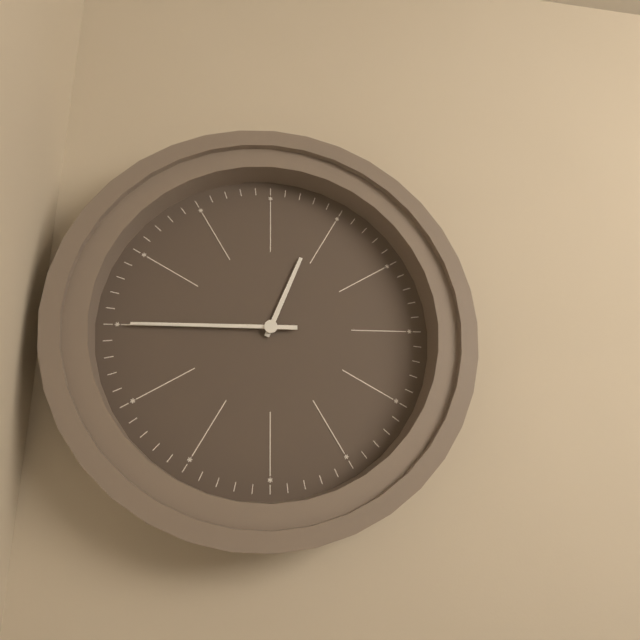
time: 12:45
